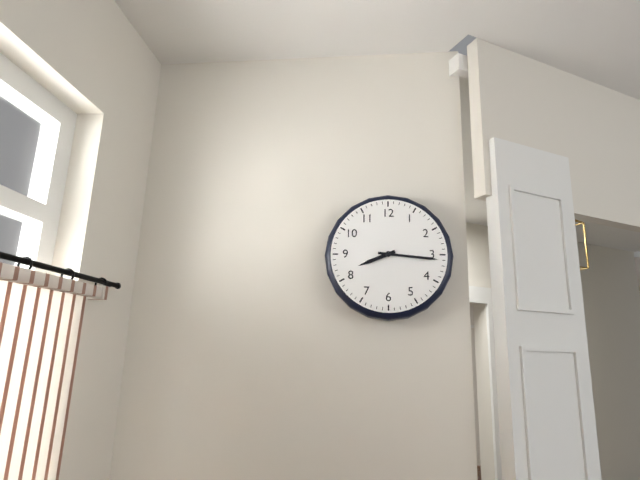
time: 8:16
